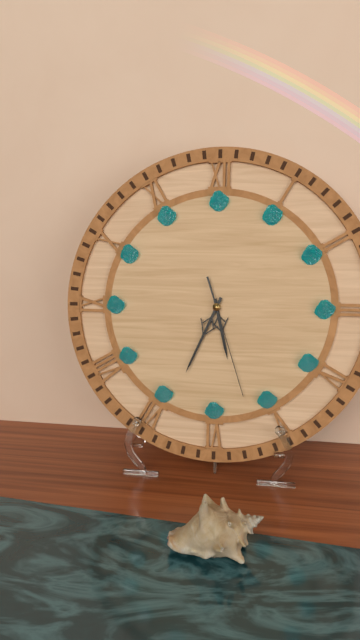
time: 5:34:27
